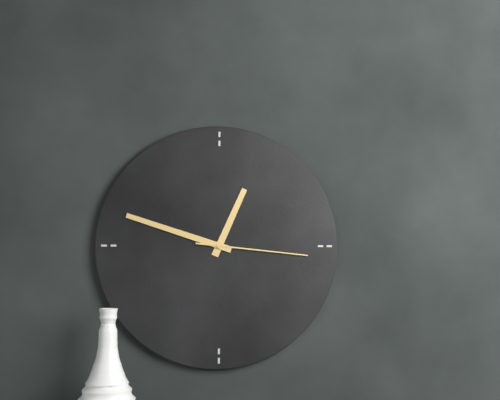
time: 12:48:16
